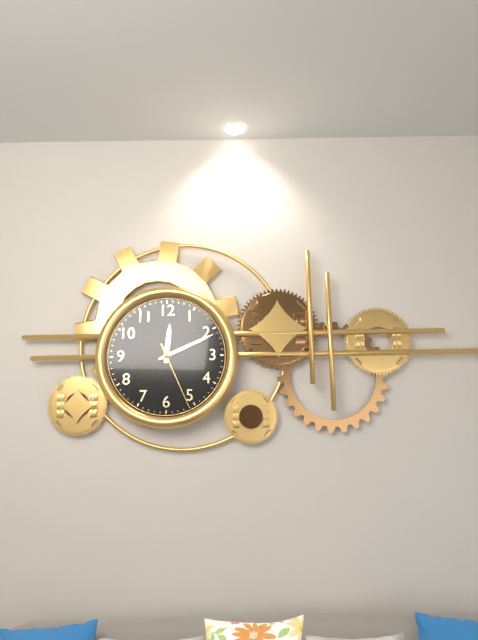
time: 12:11:26
